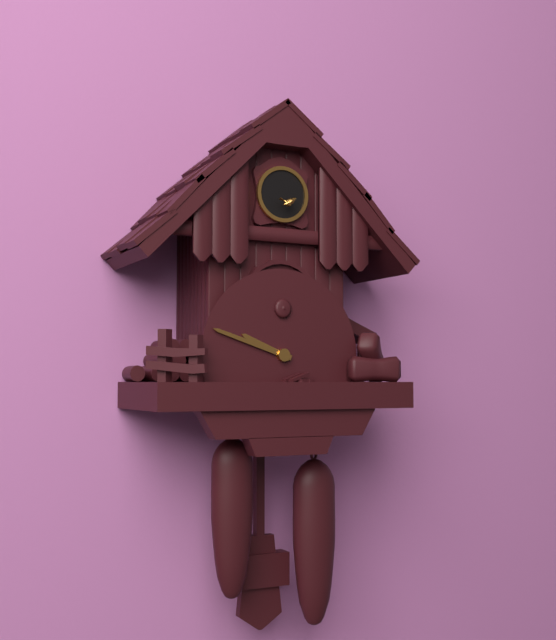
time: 9:48
